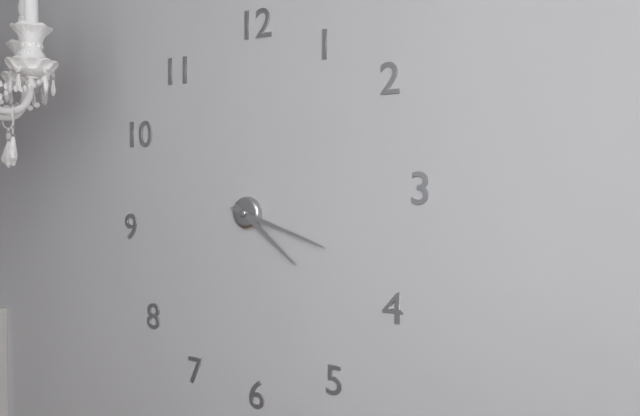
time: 4:18
